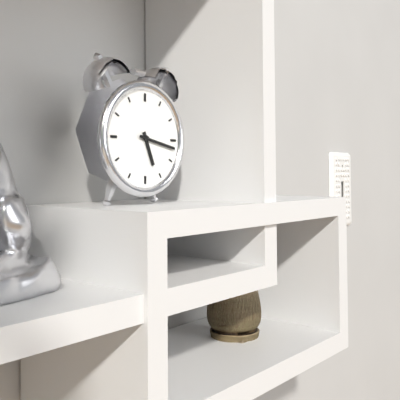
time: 5:17
